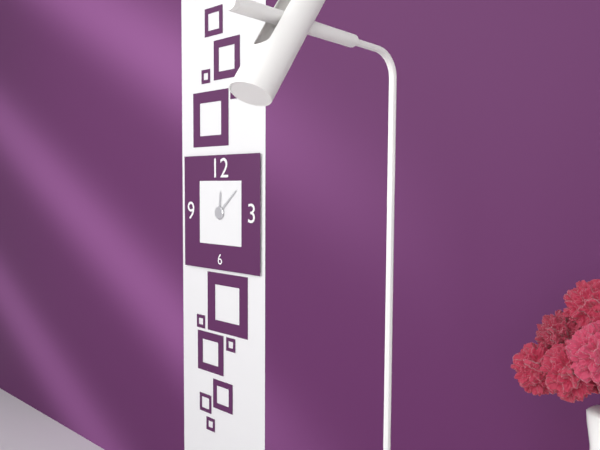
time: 12:08
